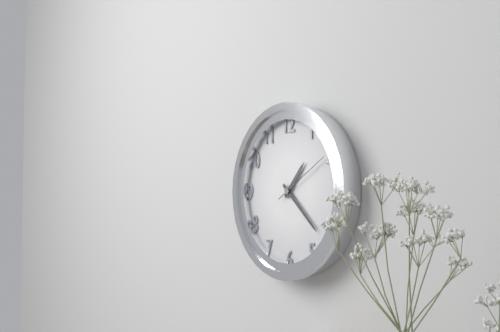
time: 1:22:10
